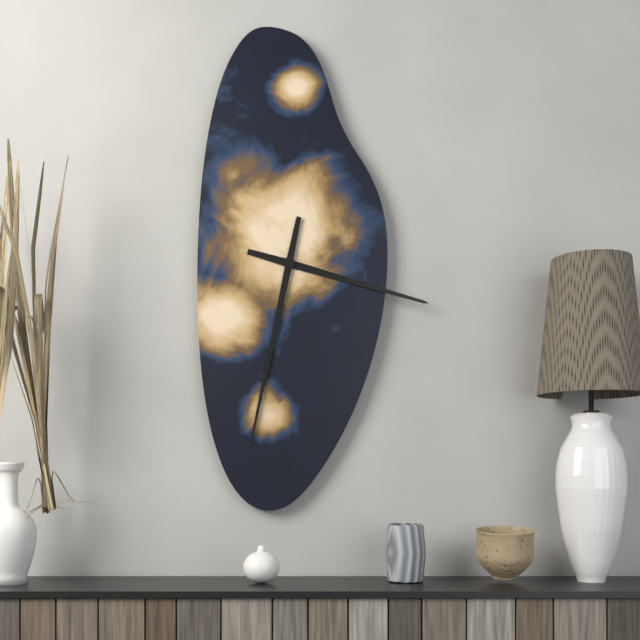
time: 3:32
